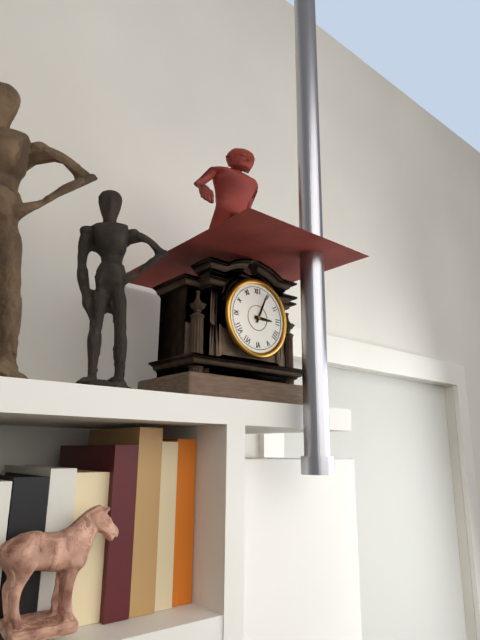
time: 3:04
